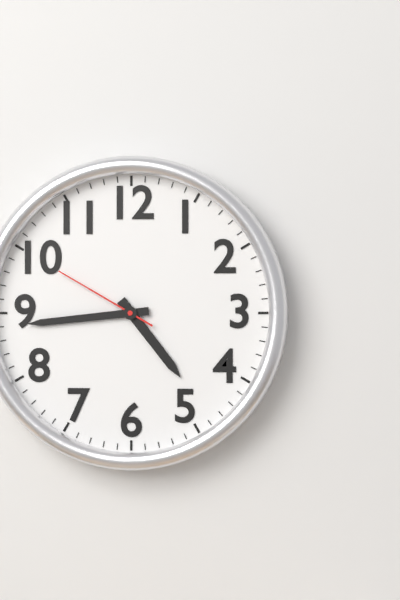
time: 4:44:50
